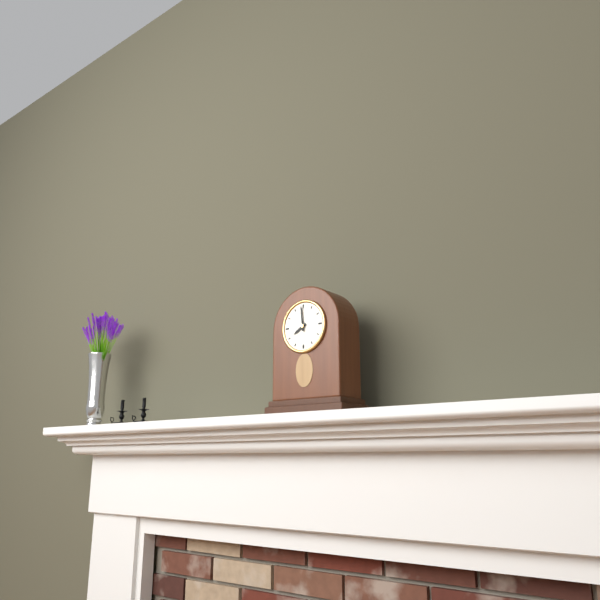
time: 7:59
